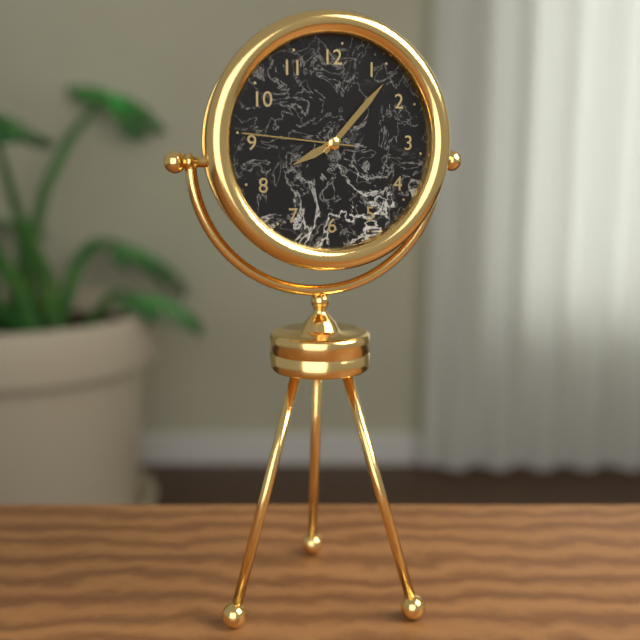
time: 8:07:46
